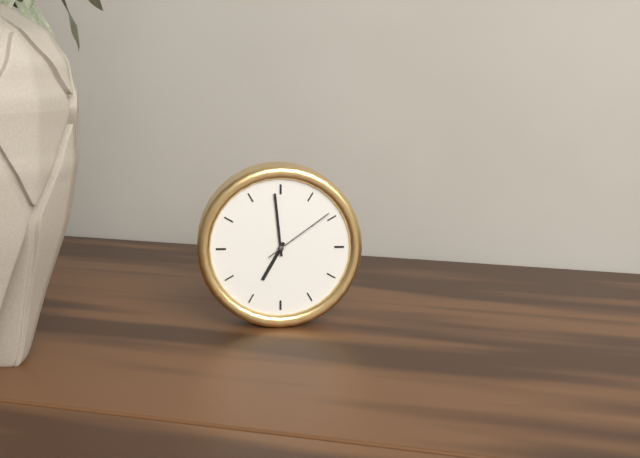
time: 6:59:09
